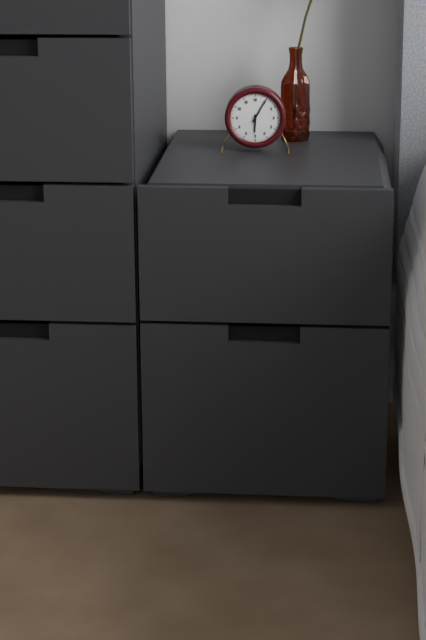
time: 6:05
